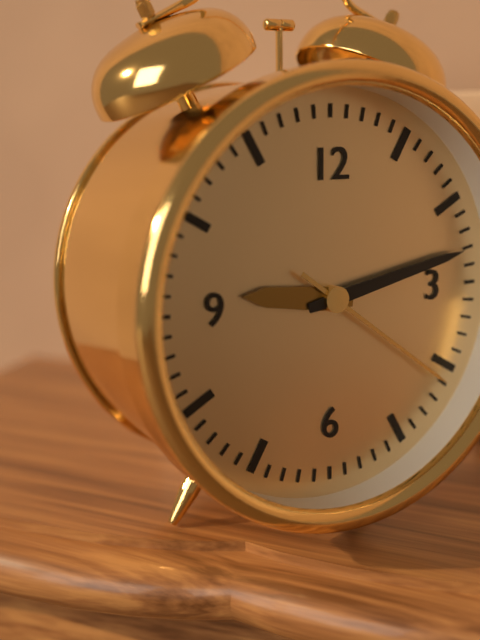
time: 9:13:21
